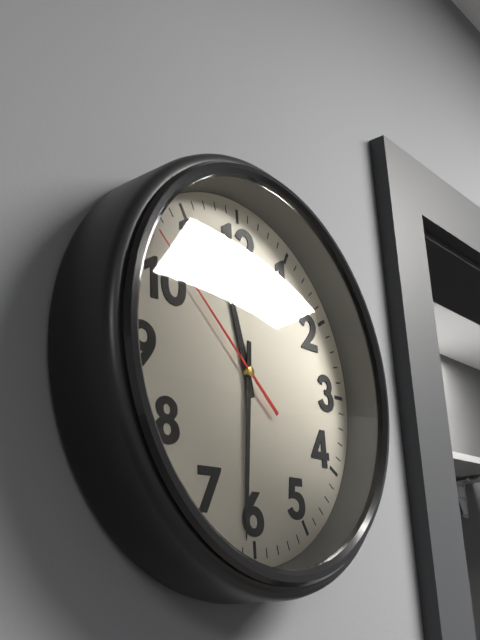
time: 11:31:52
